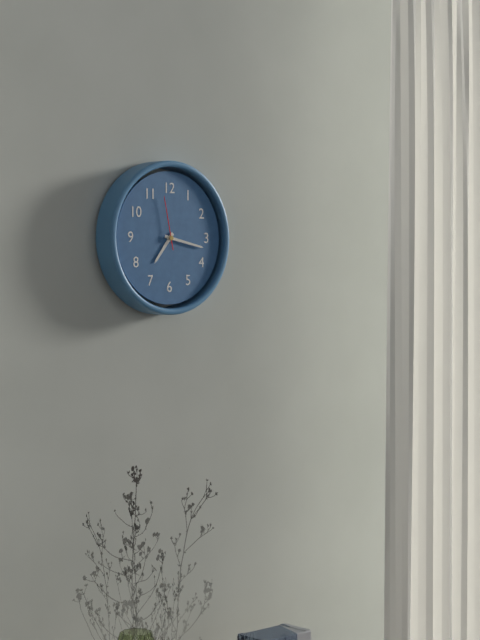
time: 7:17:58
